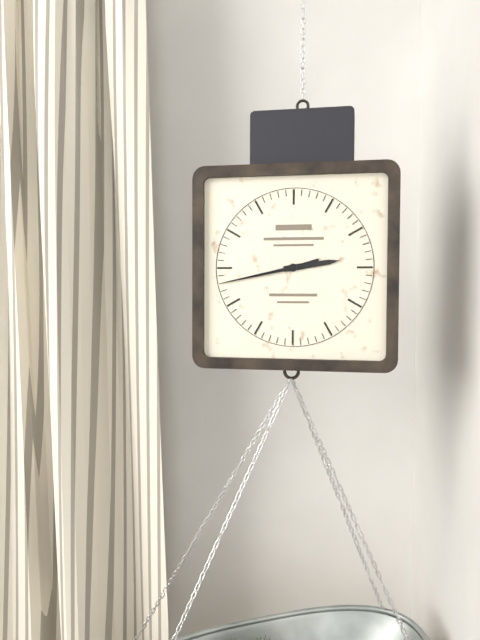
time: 2:43
